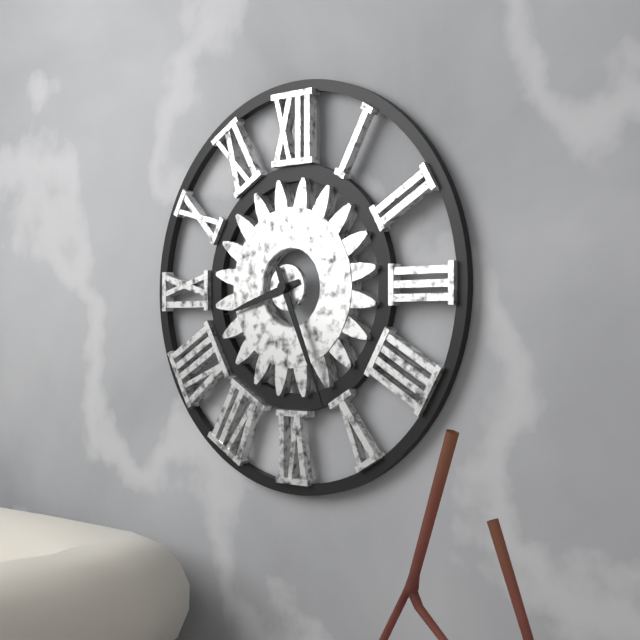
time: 8:26
